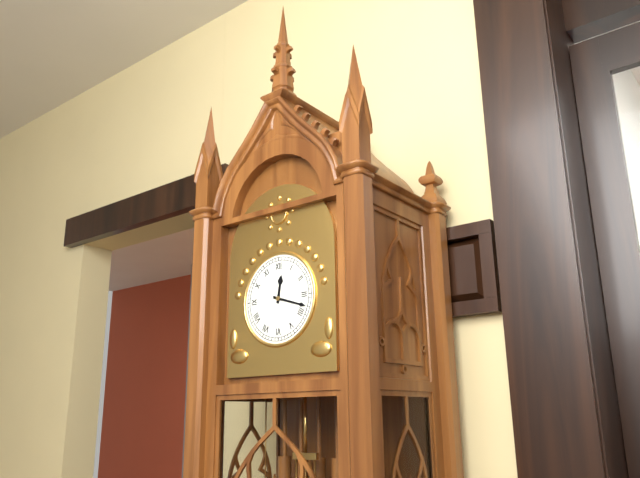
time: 12:18
